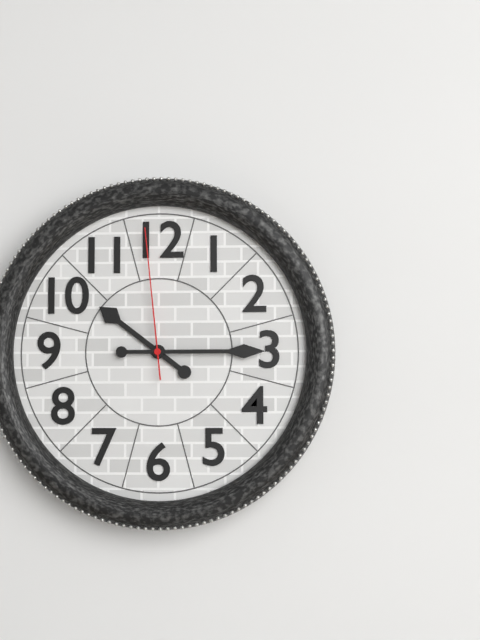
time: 10:15:59
